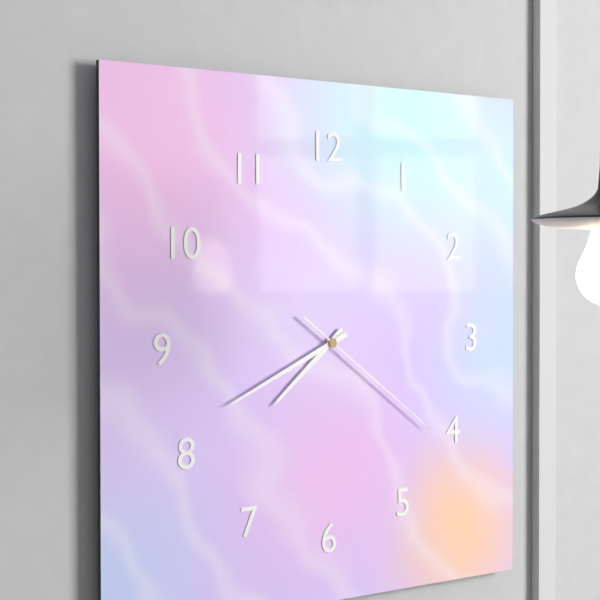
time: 7:41:21
